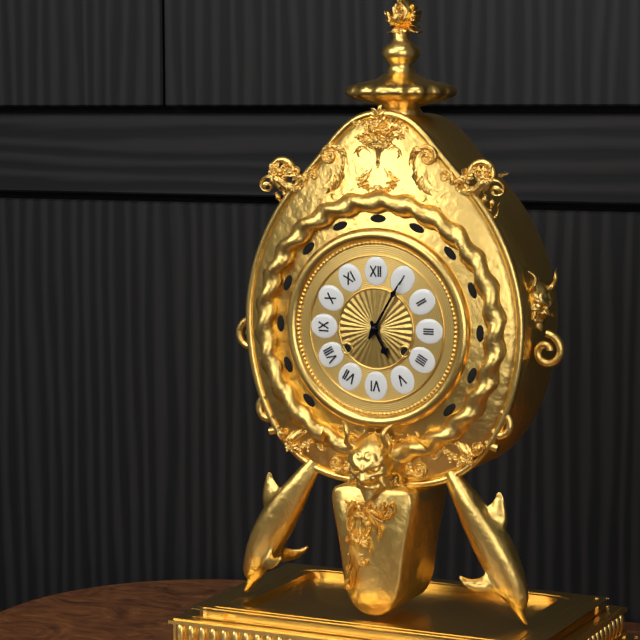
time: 5:05
